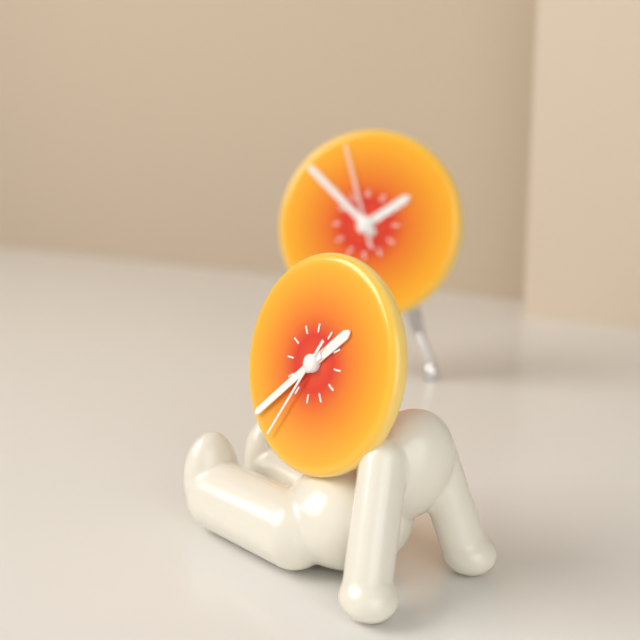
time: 1:38:35
